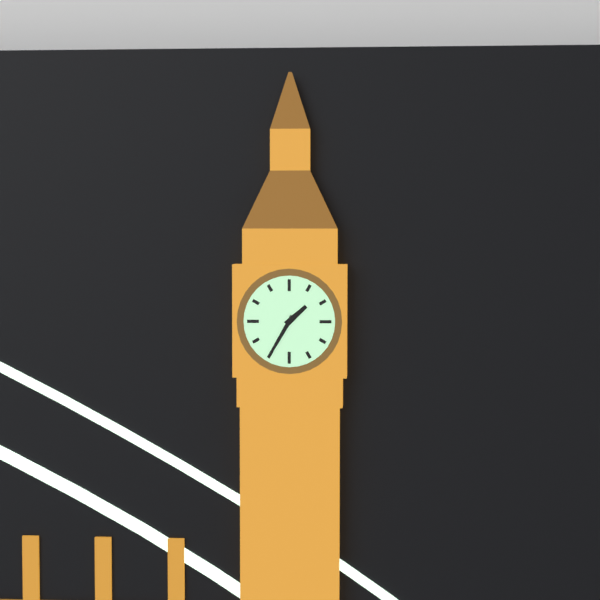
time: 1:35
